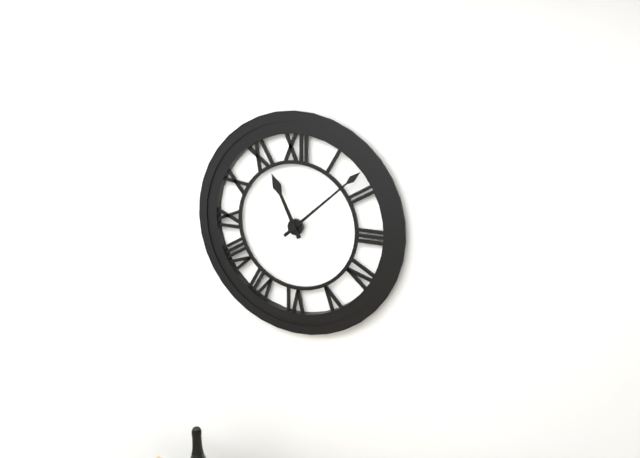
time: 11:08
